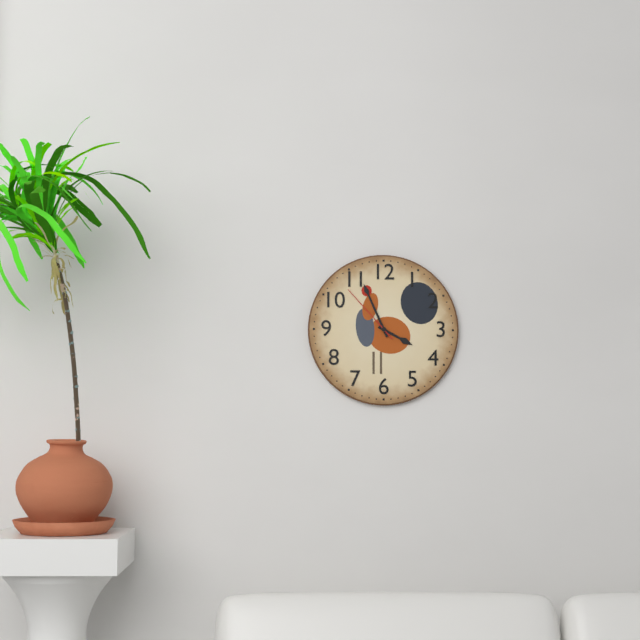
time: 3:56:53
